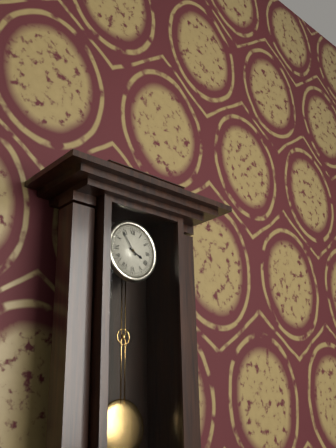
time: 3:54
